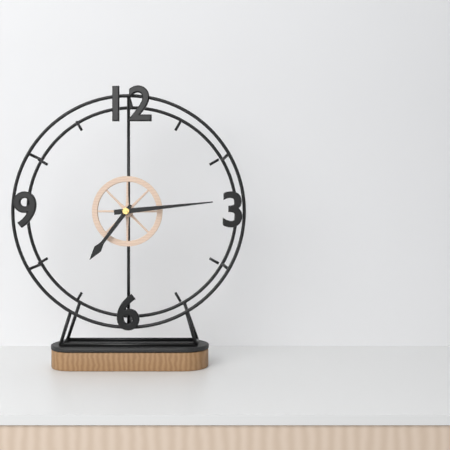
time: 7:14
